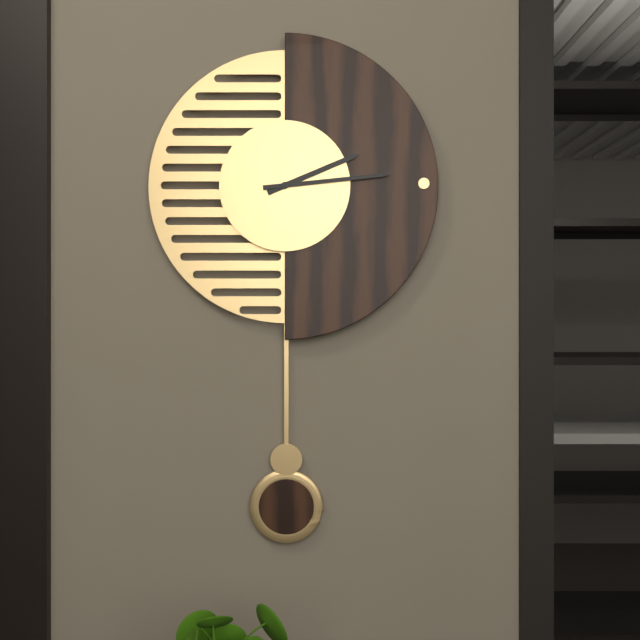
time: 2:14
